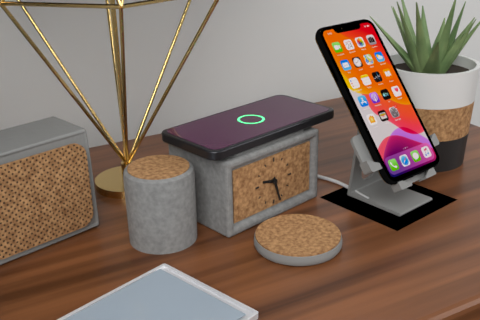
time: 9:27
